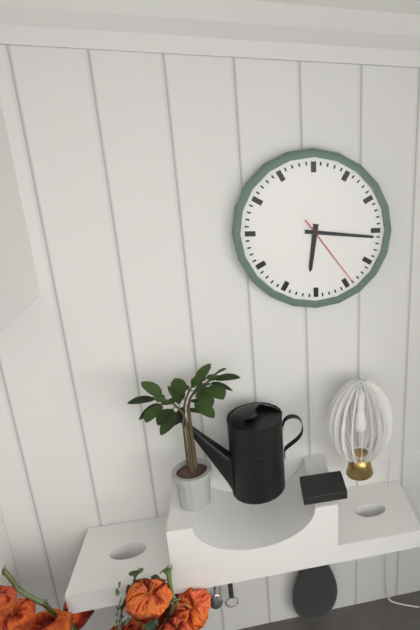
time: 6:16:24
